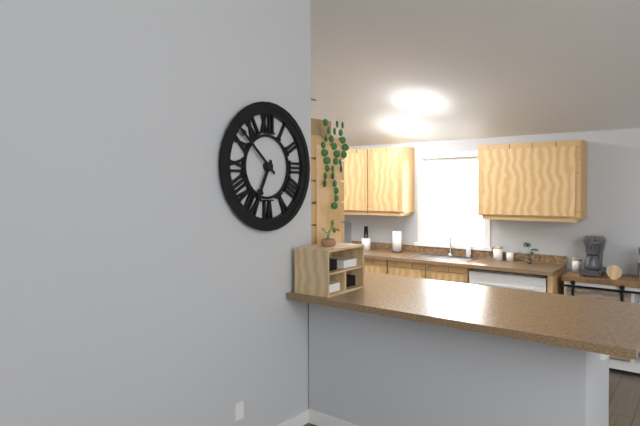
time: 6:52
